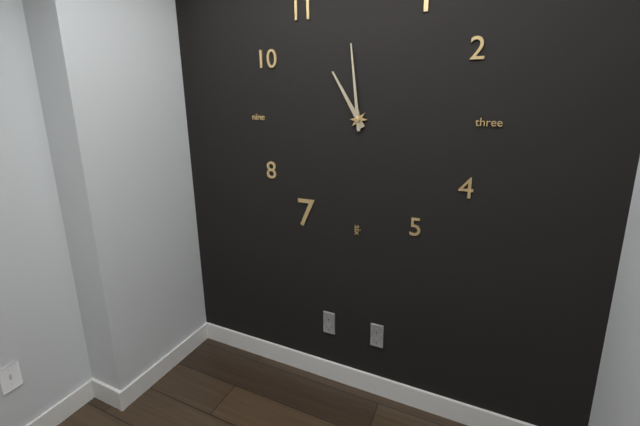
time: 10:59
